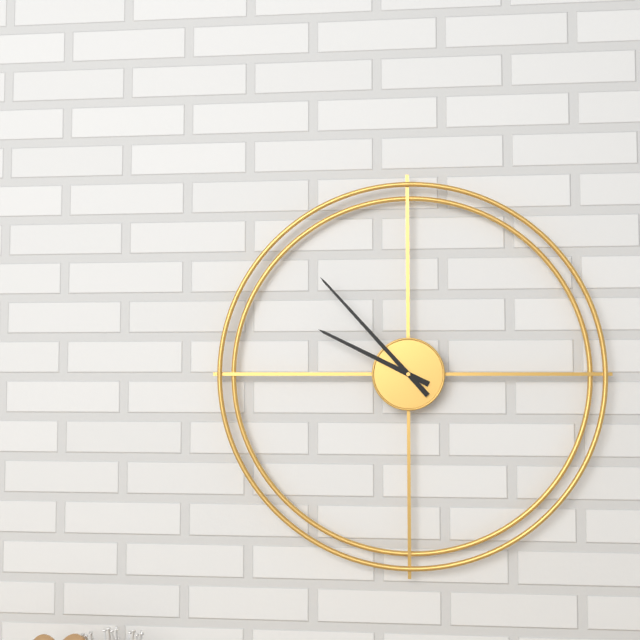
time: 9:53
